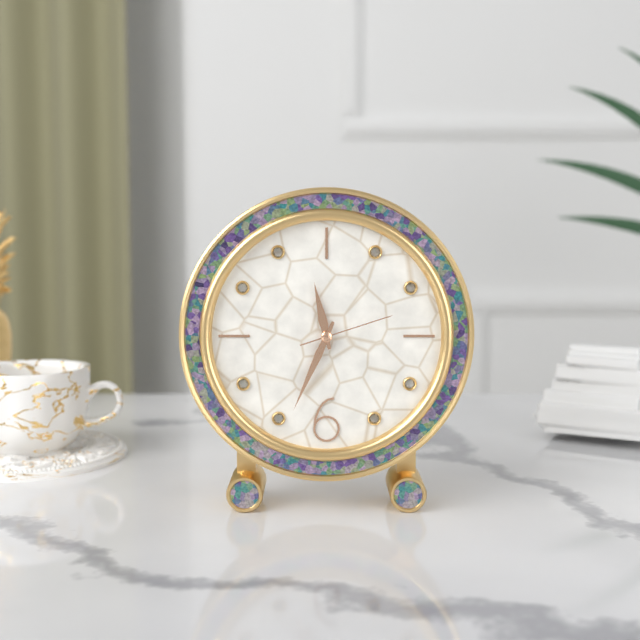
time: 11:34:12
